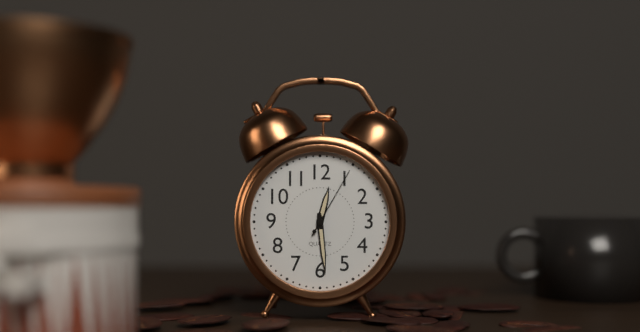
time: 12:29:05
